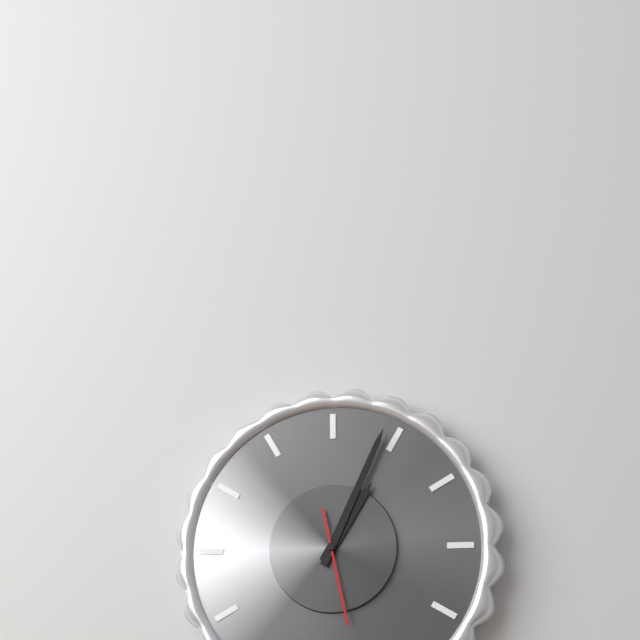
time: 1:04:28
